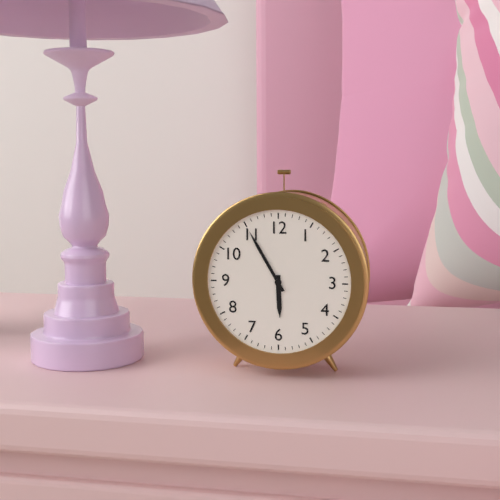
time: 5:55
